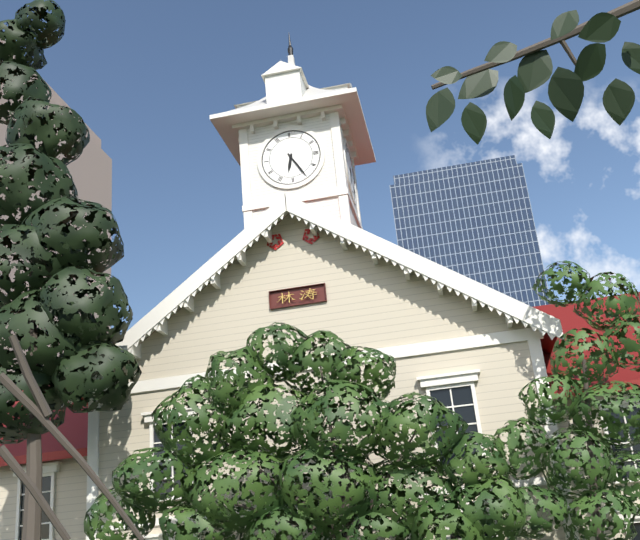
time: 6:25
